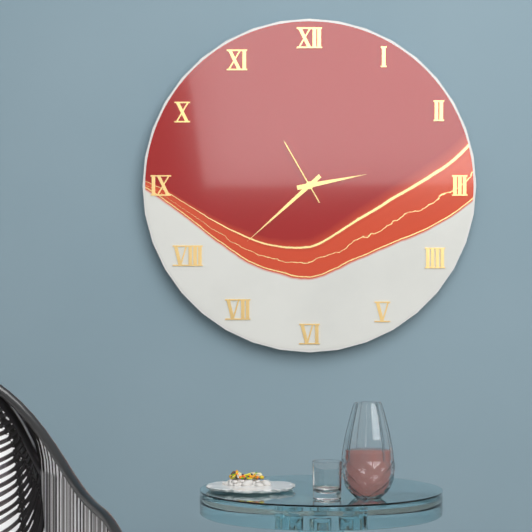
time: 2:38:55
